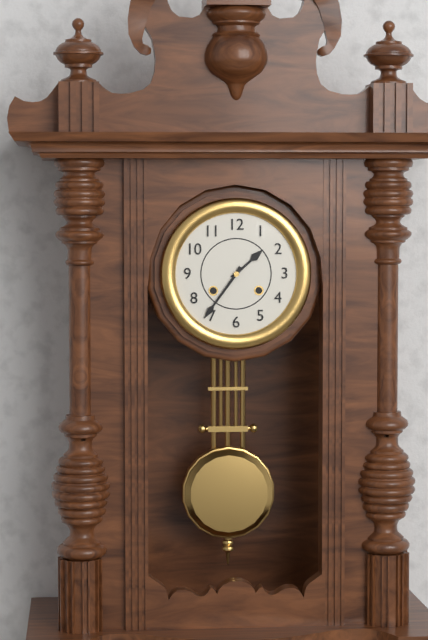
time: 1:36
